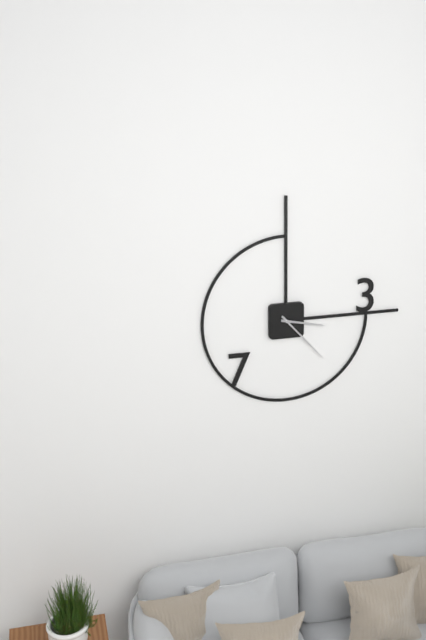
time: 3:23
